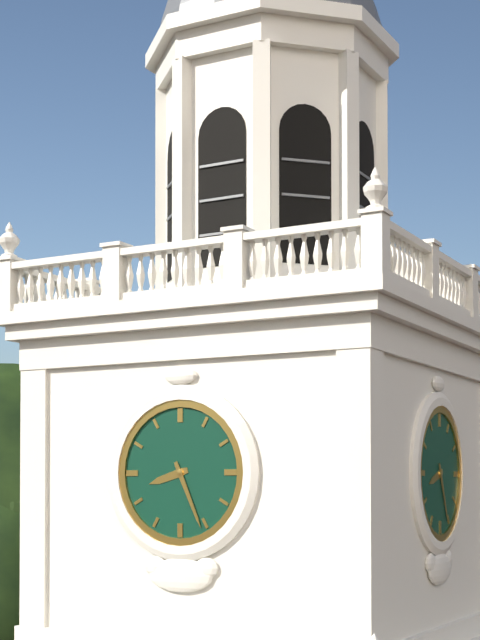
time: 8:26
